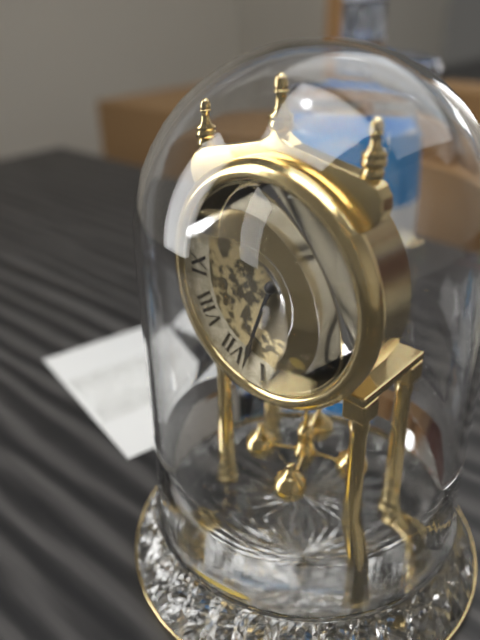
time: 4:33
